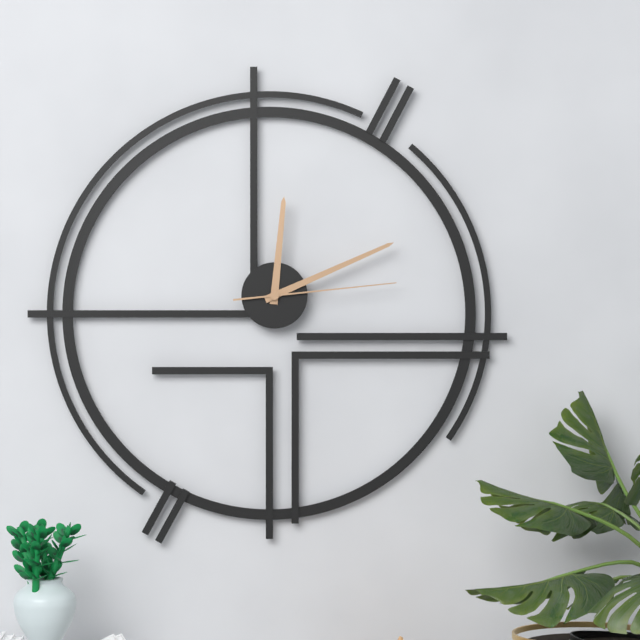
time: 12:11:14
